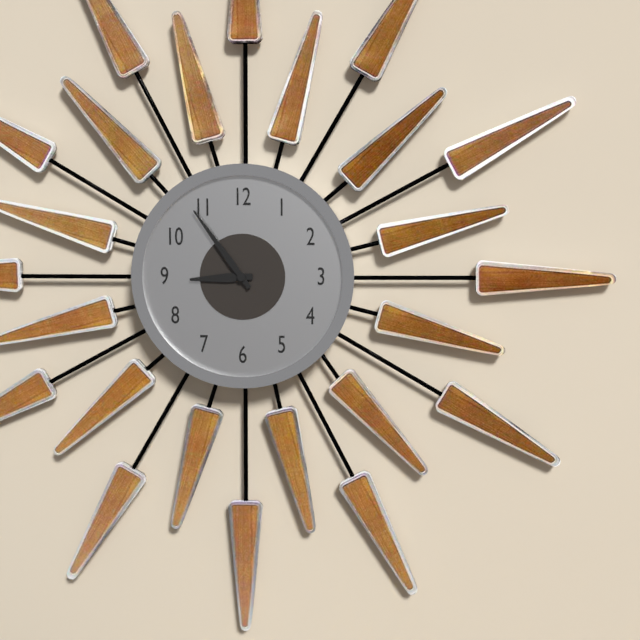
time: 8:54
